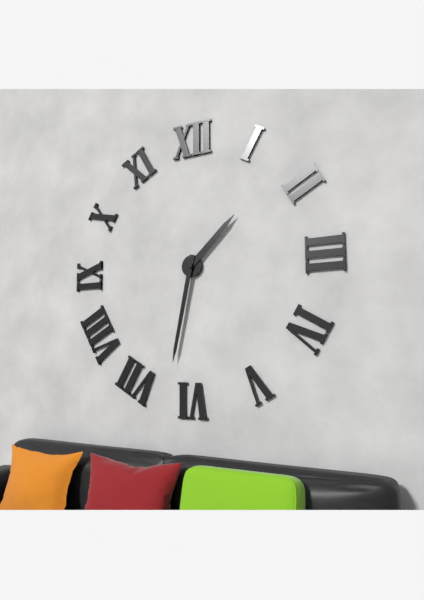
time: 1:32
